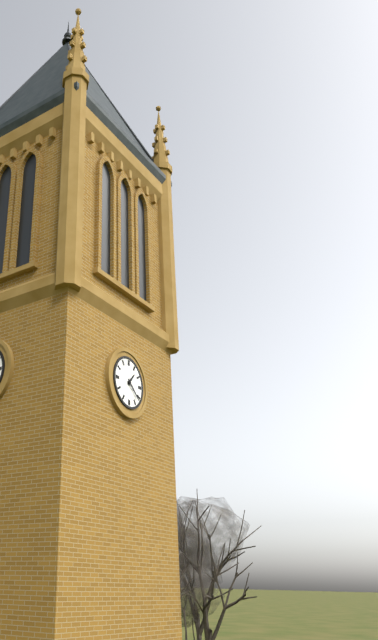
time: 1:22
